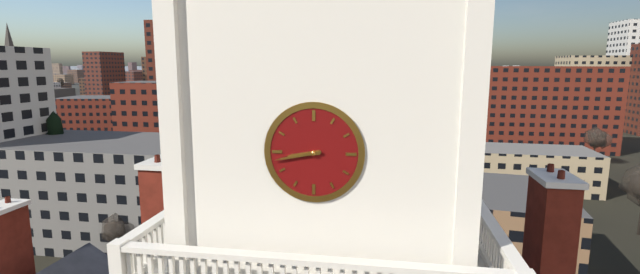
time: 8:43
